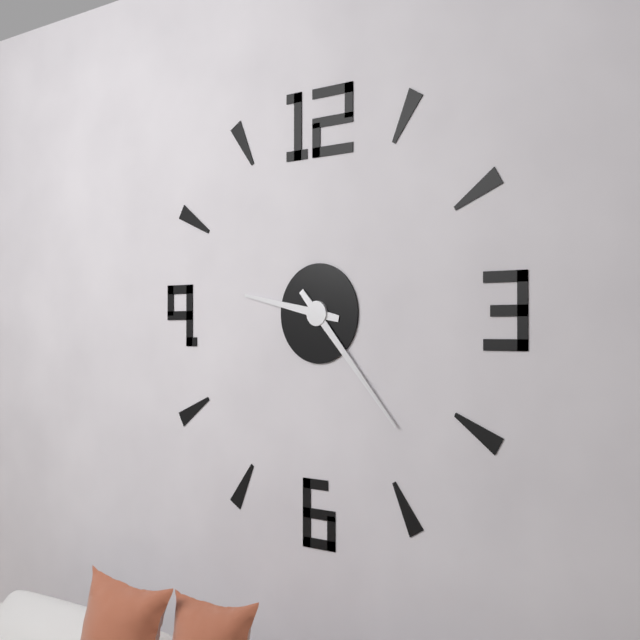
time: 9:23
